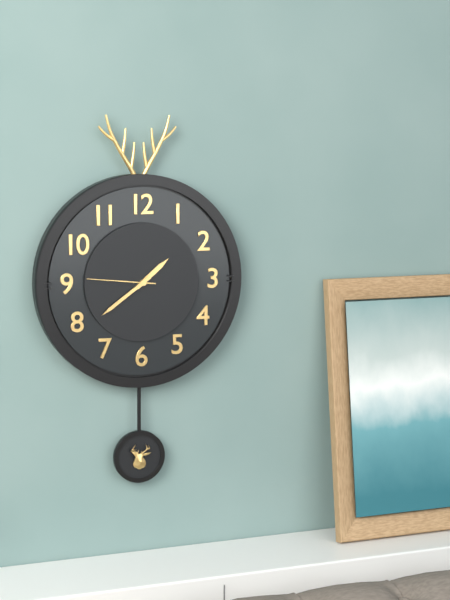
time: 1:39:46
